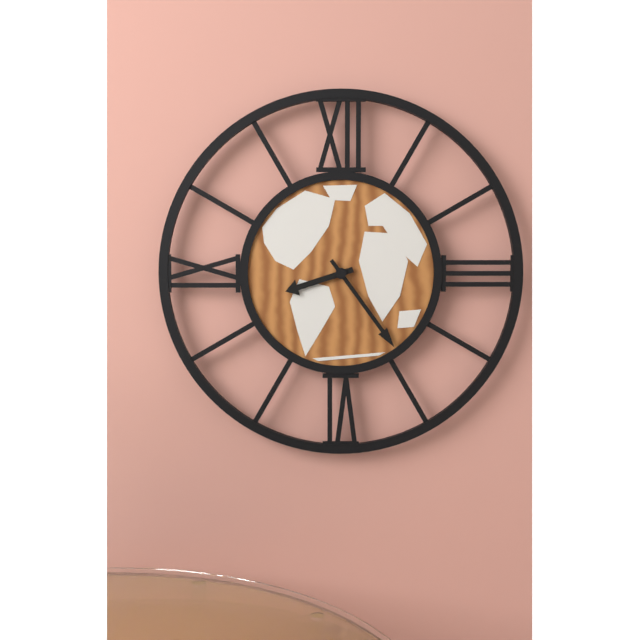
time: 8:24
